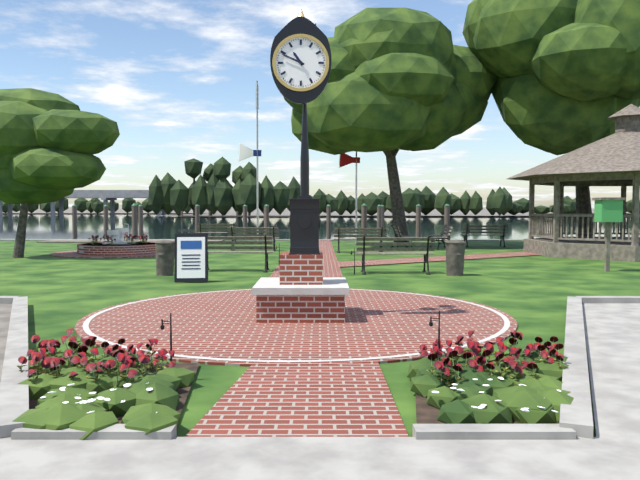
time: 10:49
